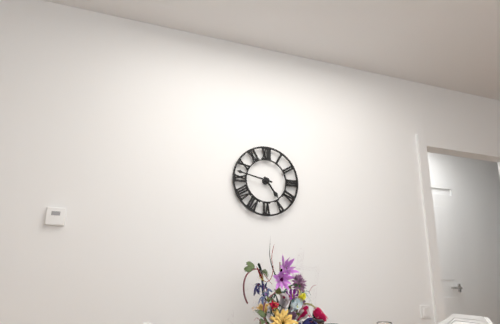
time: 4:47
